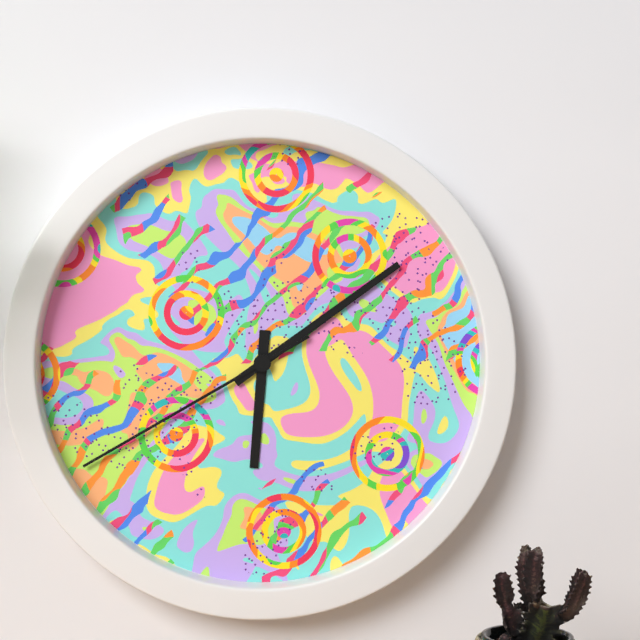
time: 6:09:40
